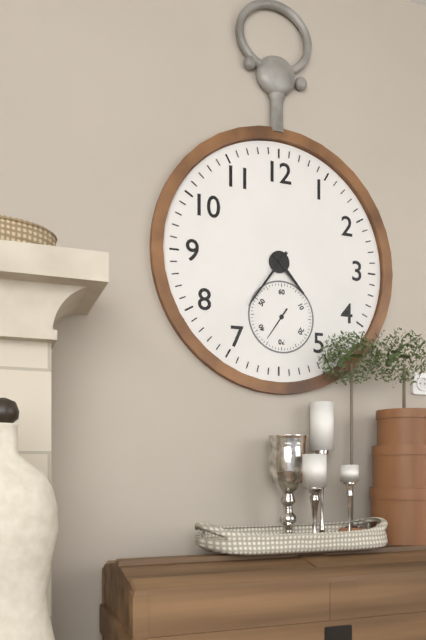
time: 4:36
